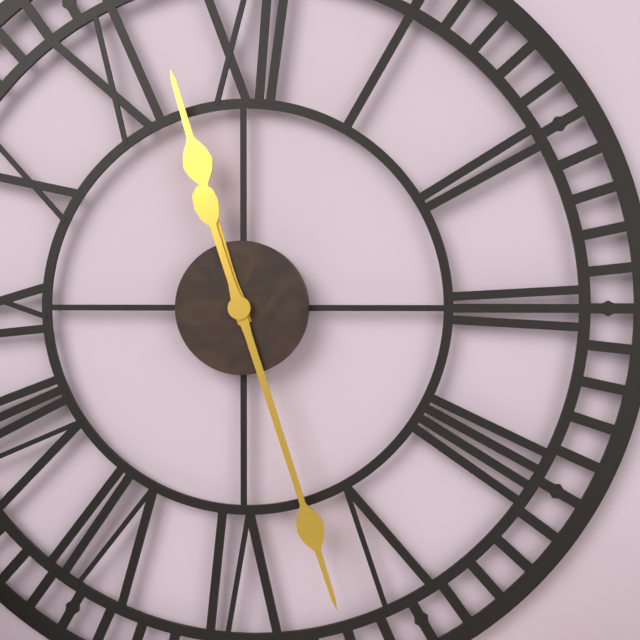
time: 11:27
